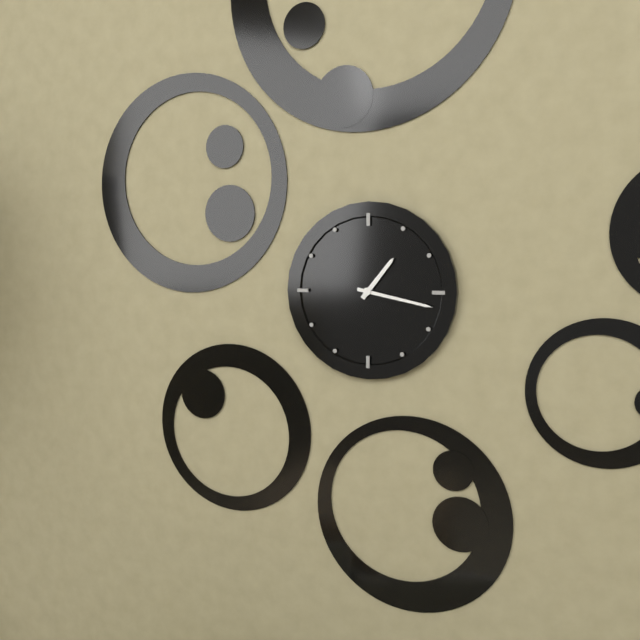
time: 1:17
